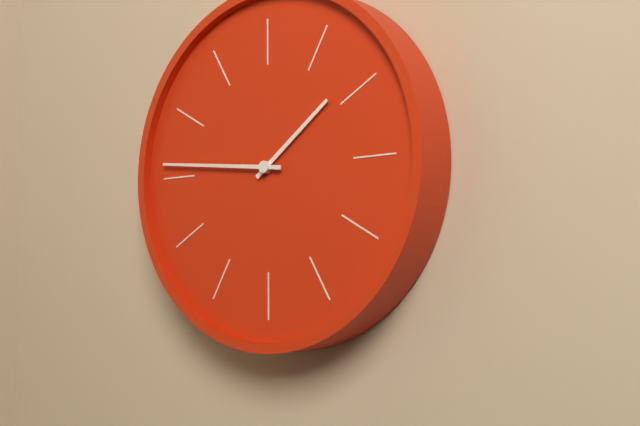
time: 1:46
